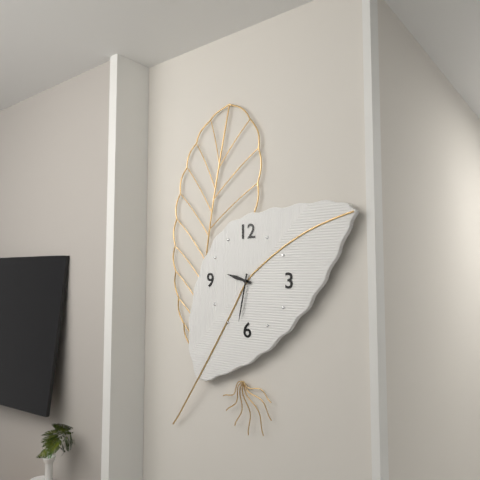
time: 9:32
